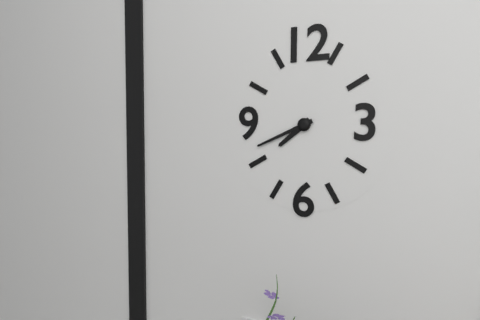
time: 7:41
